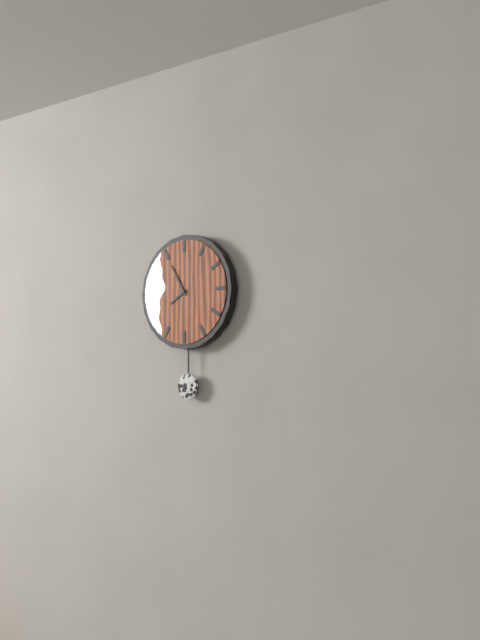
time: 7:55
